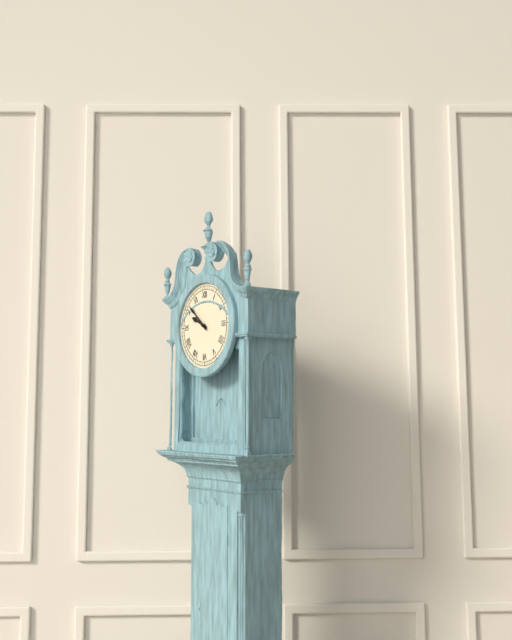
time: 9:52
